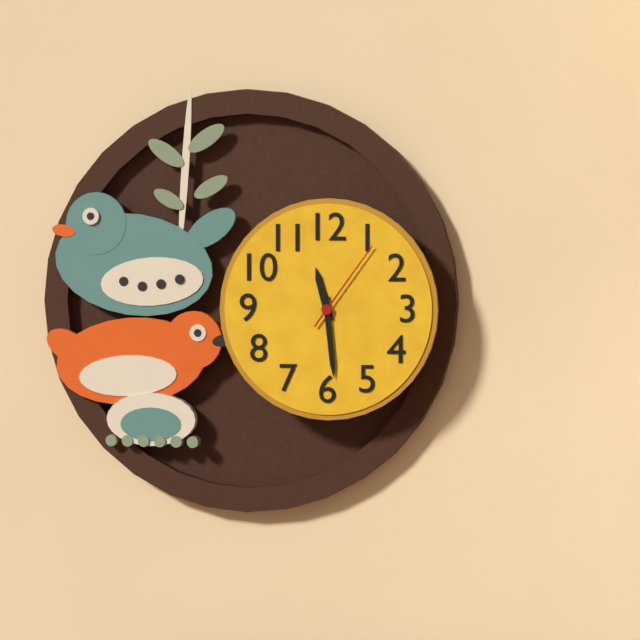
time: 11:29:06
